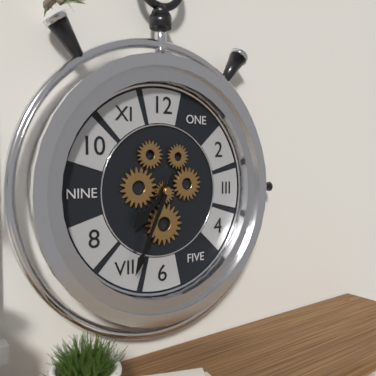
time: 7:34
